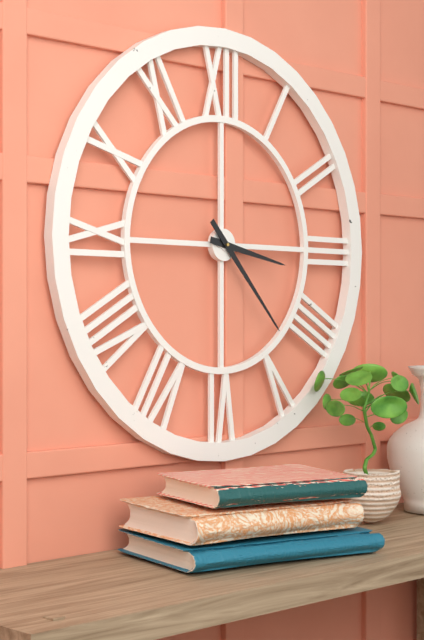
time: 3:23
